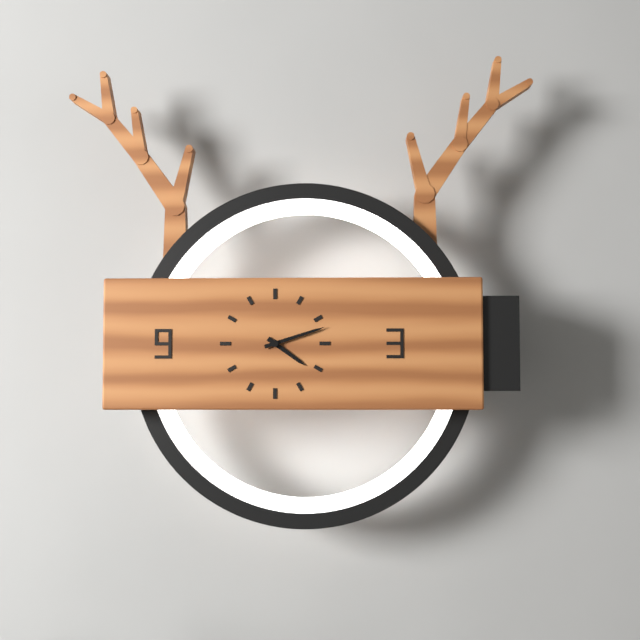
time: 4:12
